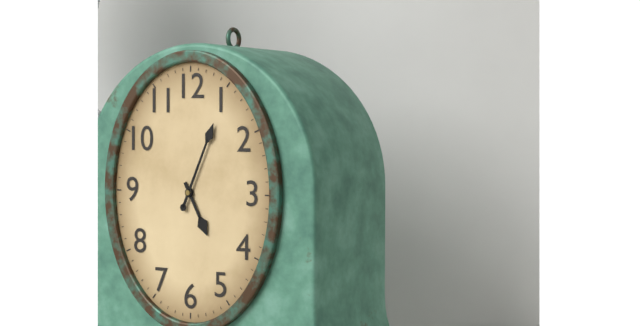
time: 5:04
